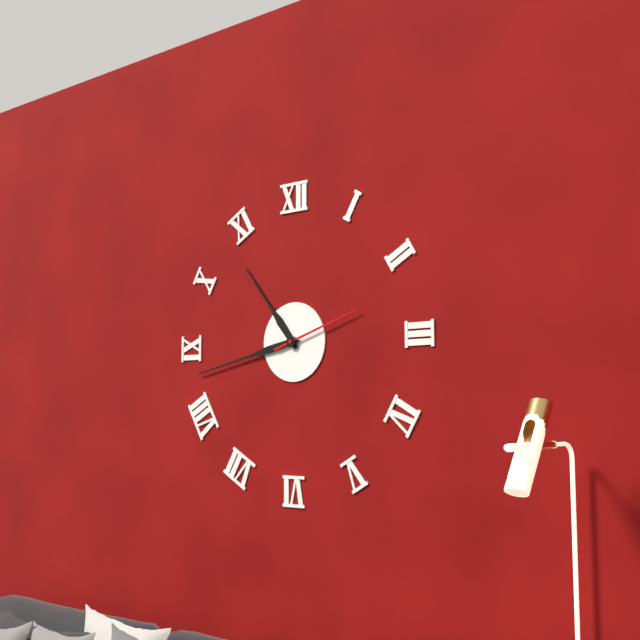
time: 10:43:12
